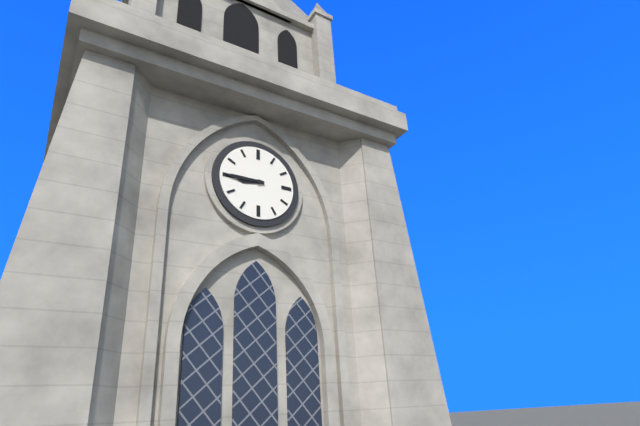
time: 8:45
